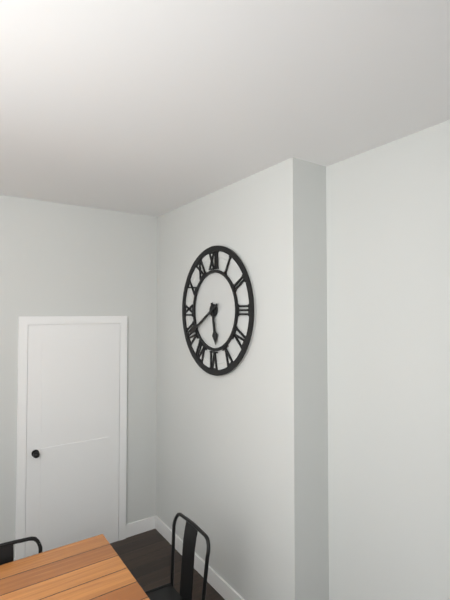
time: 5:40
